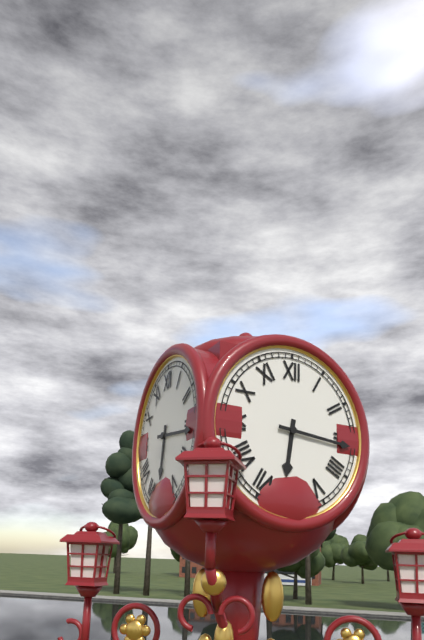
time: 6:16
